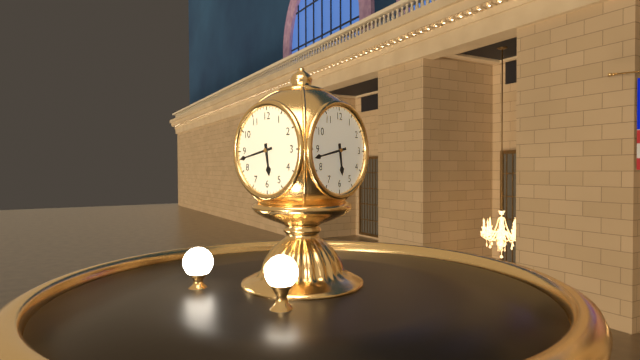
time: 5:43
